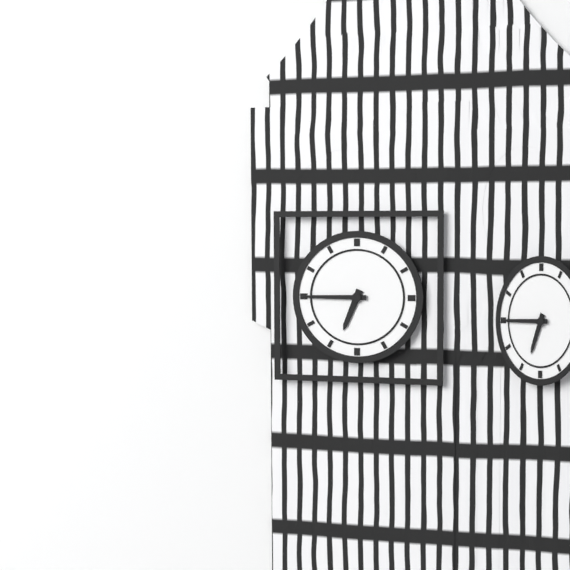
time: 6:45
